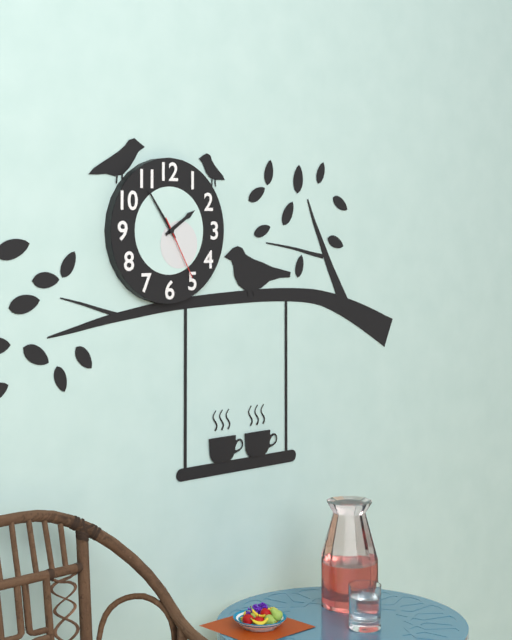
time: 1:54:25
